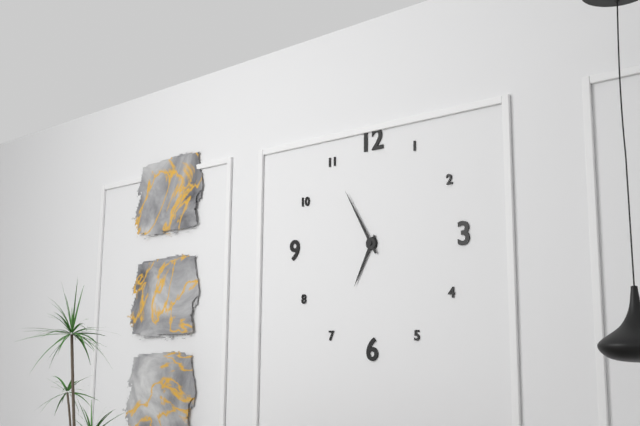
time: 6:55
